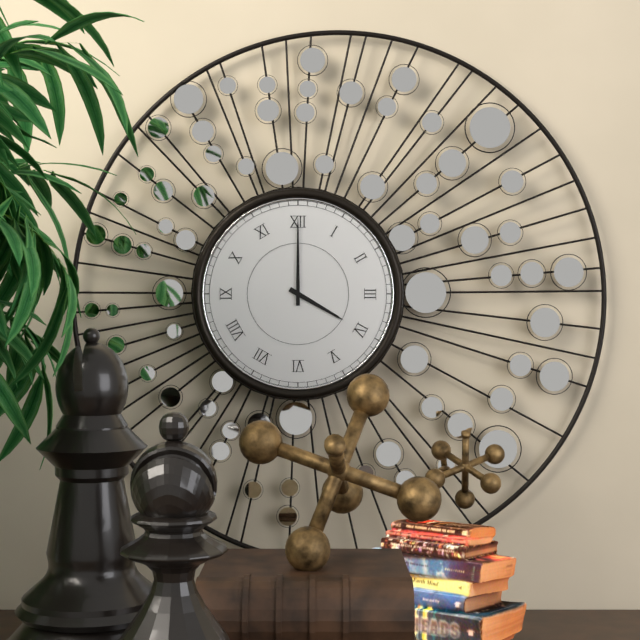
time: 4:00
